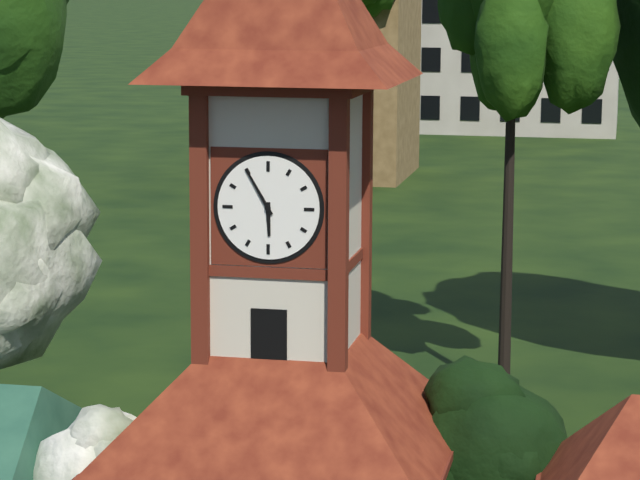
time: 5:55
